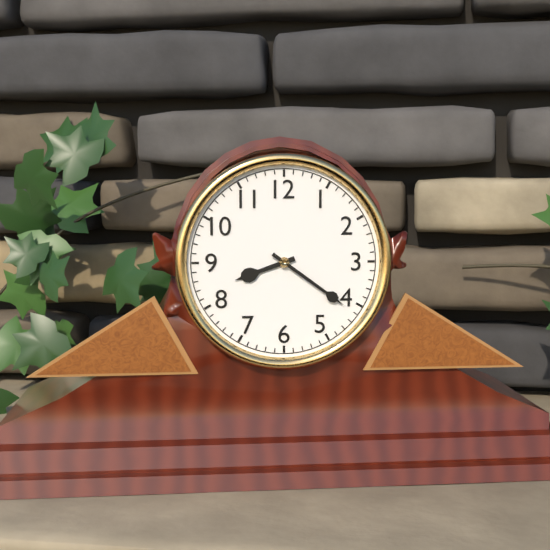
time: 8:21
